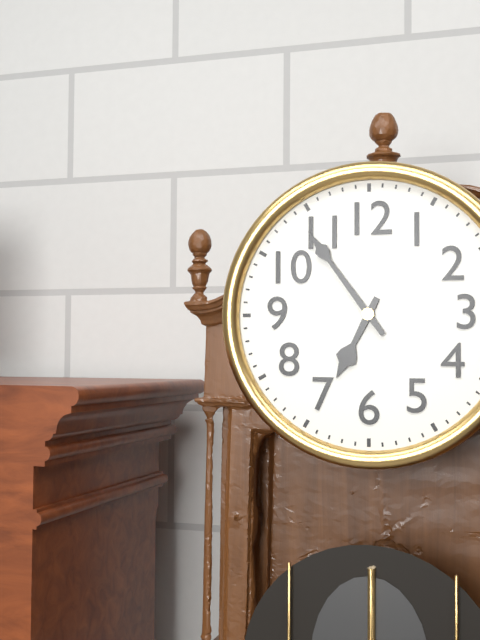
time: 6:54
